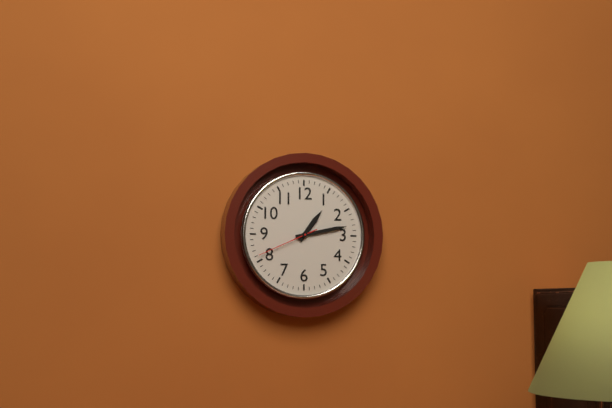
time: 1:13:41
